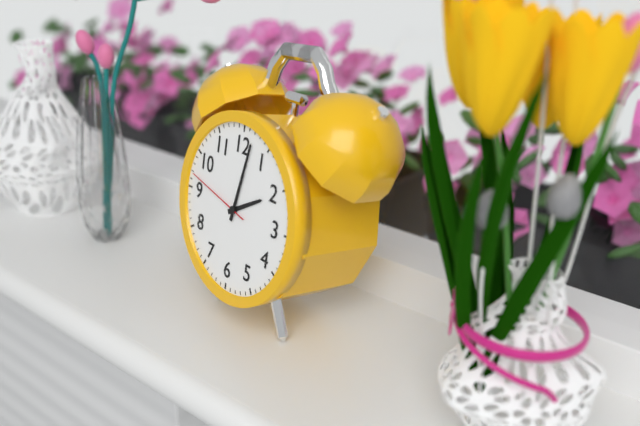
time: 2:02:47
